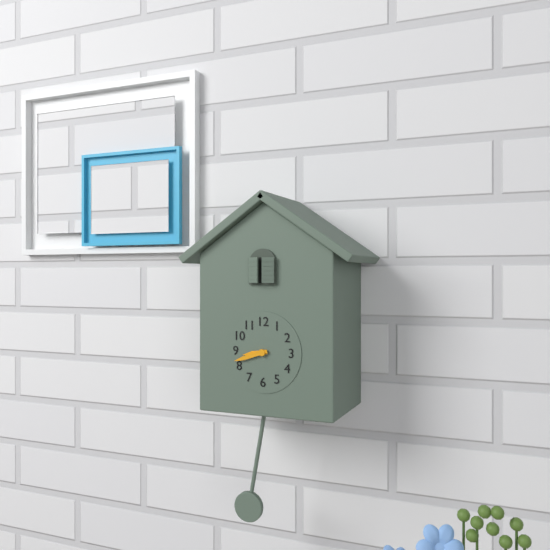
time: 8:42
